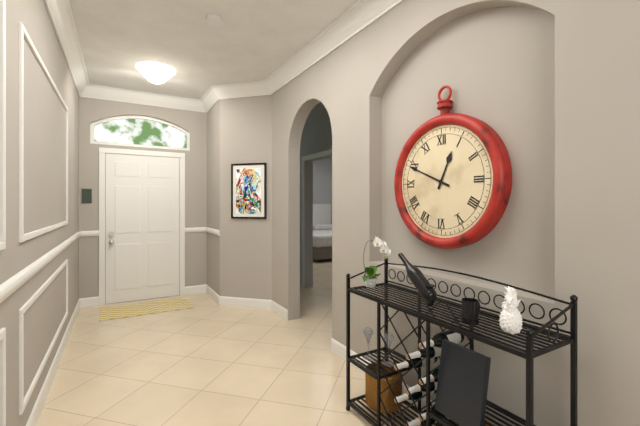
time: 12:49
